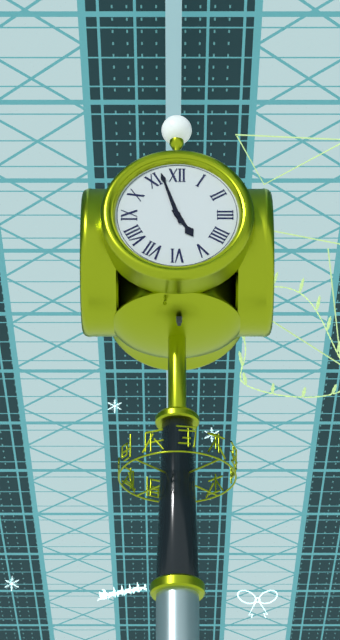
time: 4:57
